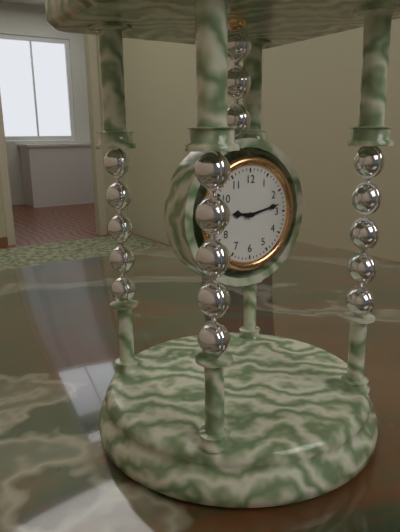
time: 9:13
